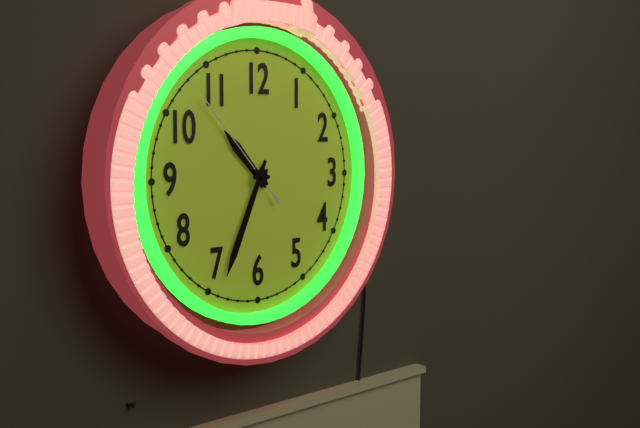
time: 10:34:53
